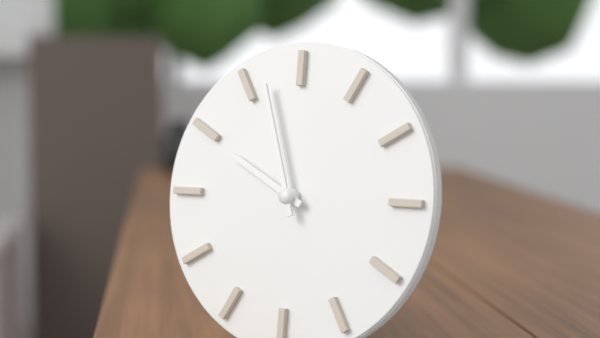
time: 9:57
